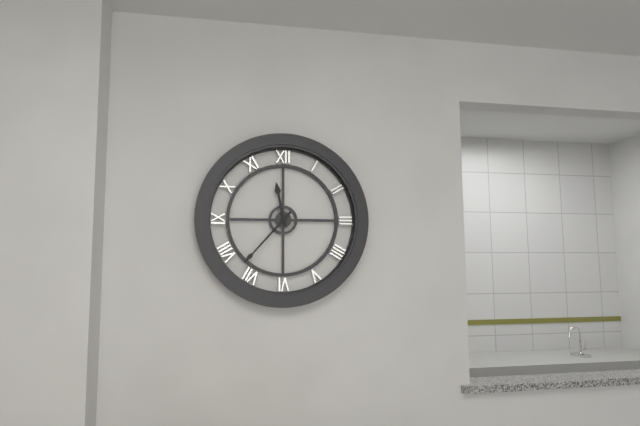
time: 11:37
